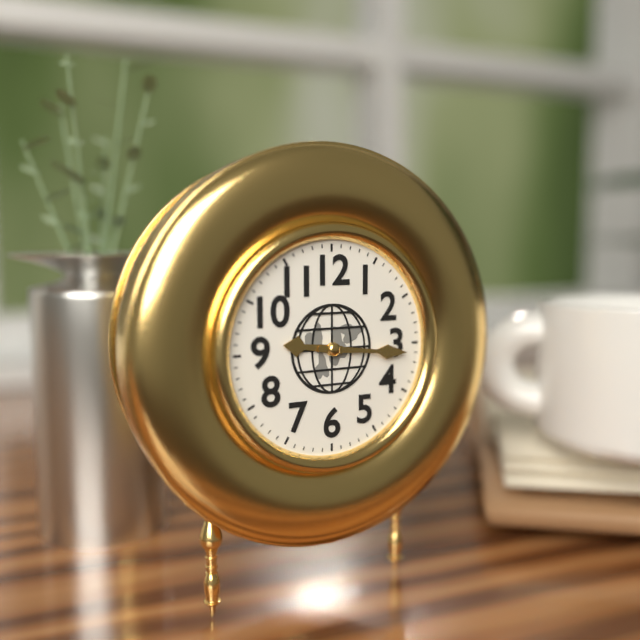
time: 9:16
